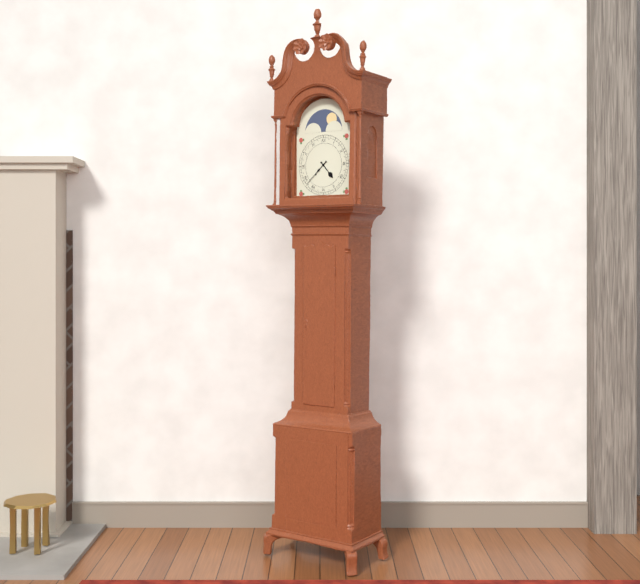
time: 4:38
